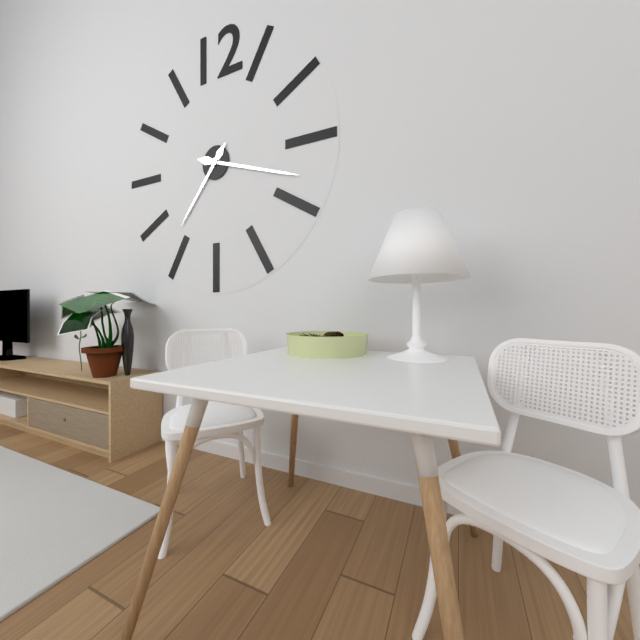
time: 7:18
